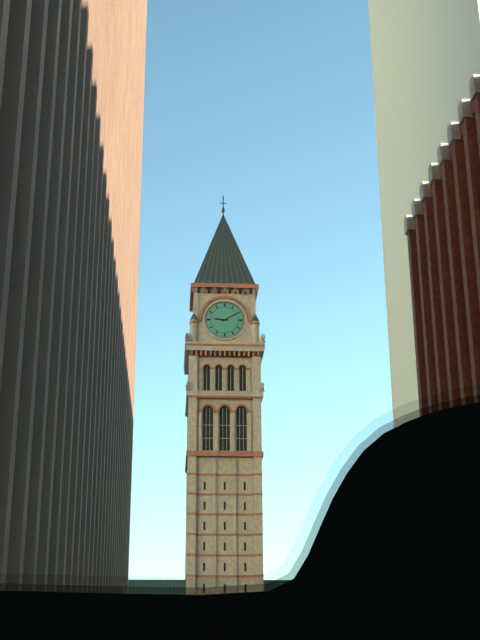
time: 9:10
